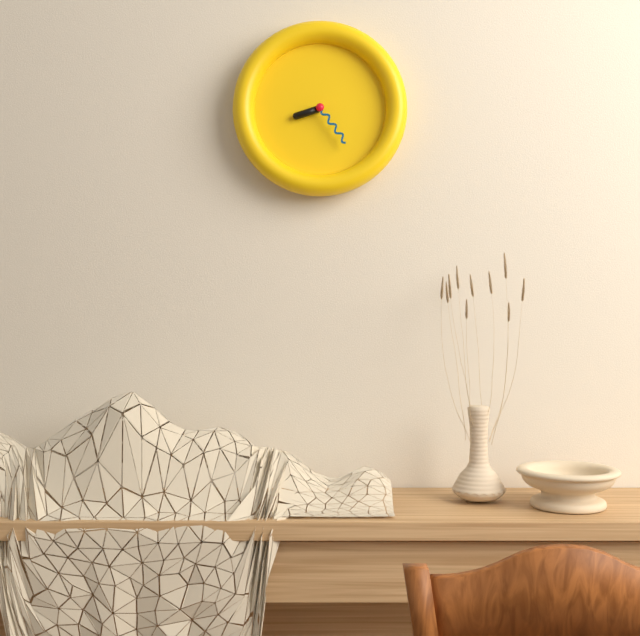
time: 8:24
